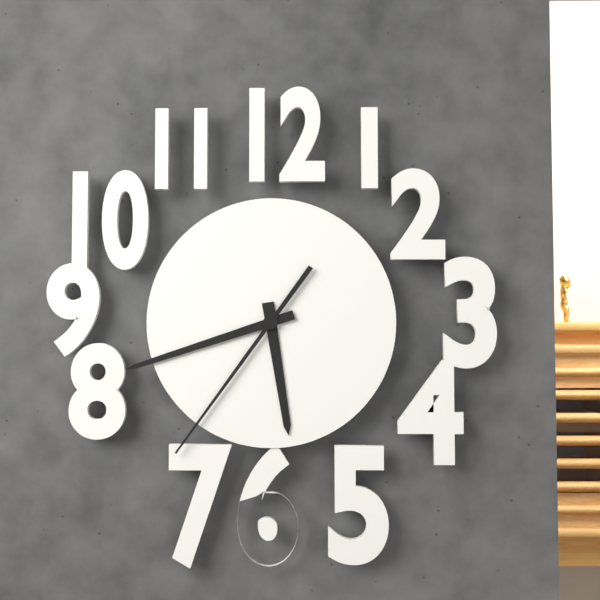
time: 5:42:36
